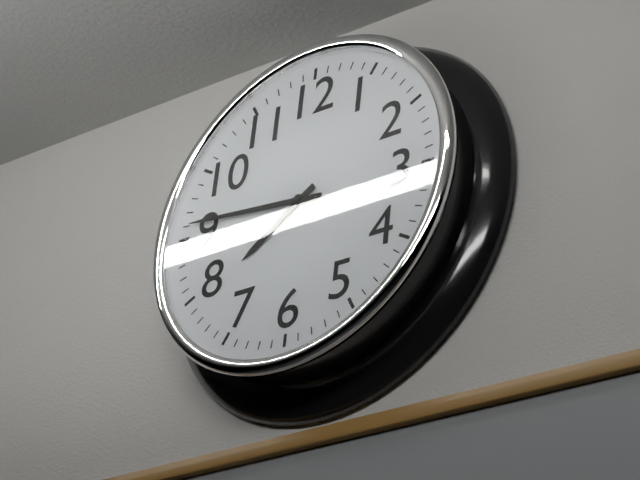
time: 7:46
